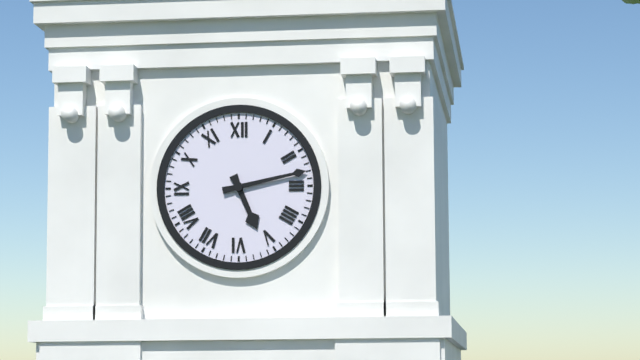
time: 5:13
